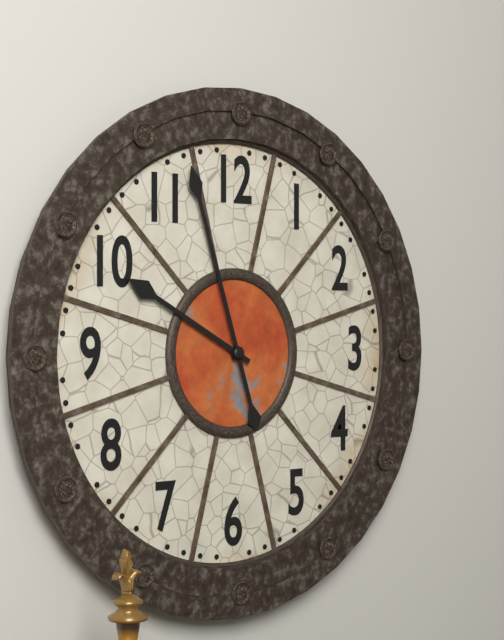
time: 9:57
